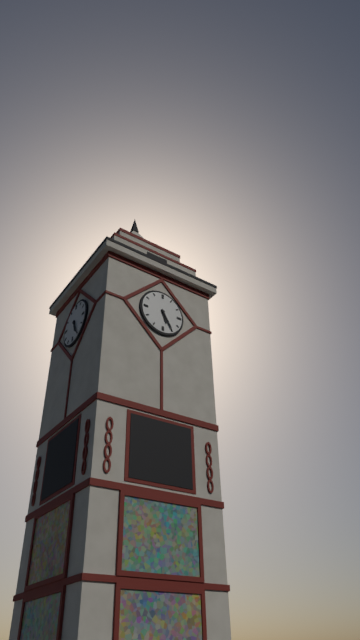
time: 5:25
